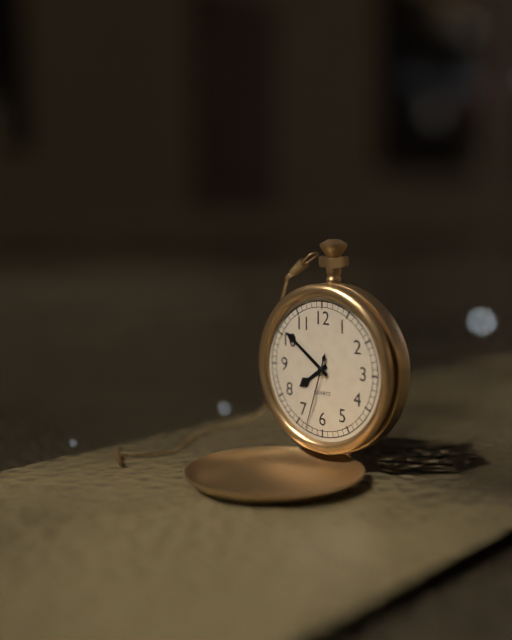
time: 7:51:33
